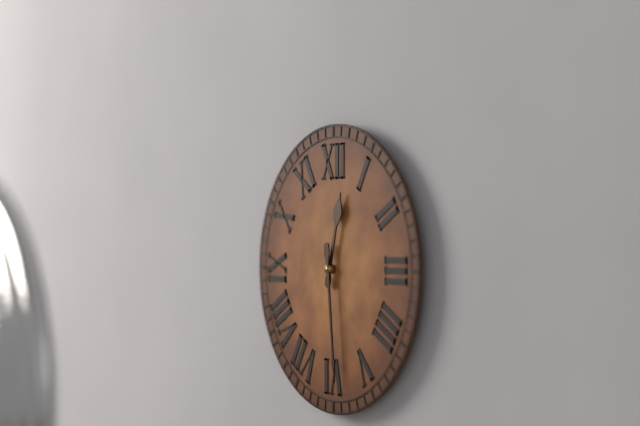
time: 12:29
